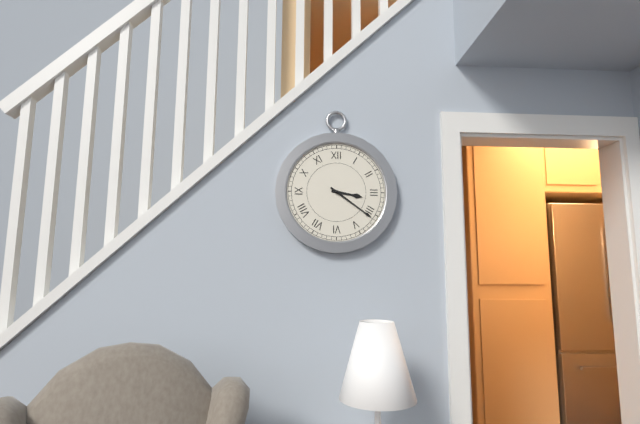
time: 3:21
